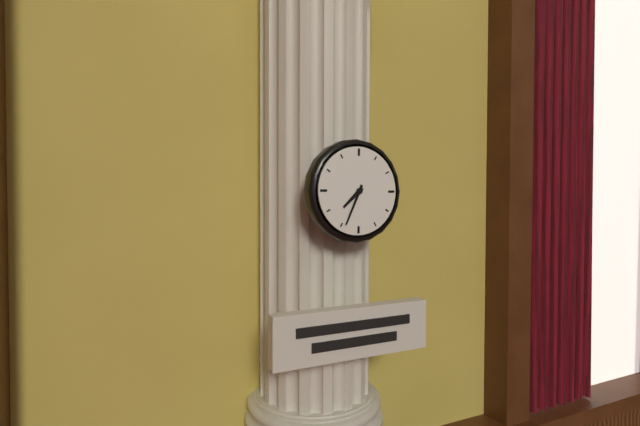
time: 7:34
